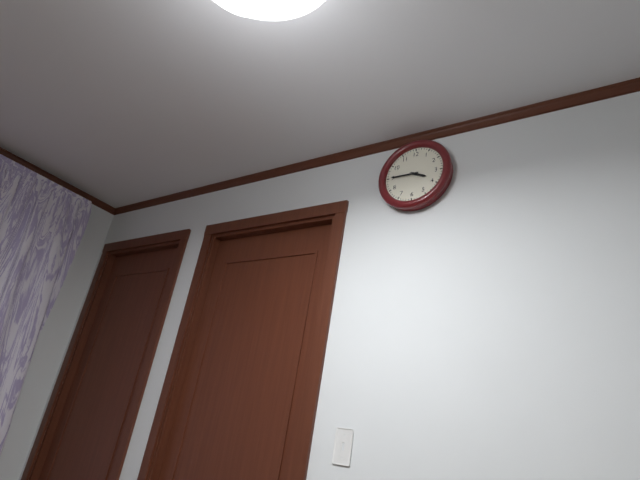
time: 3:45
